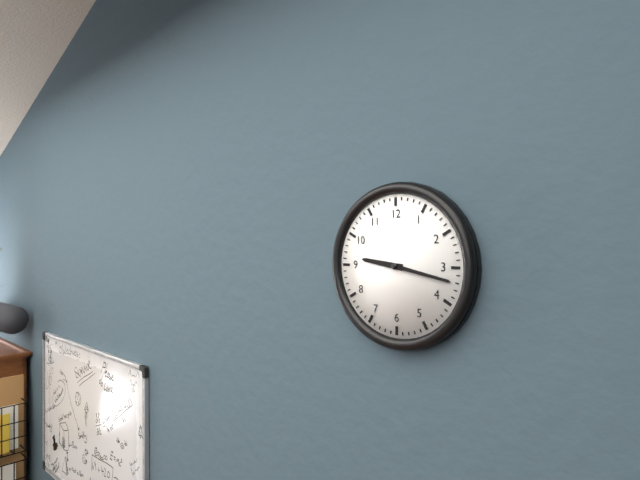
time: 9:17
